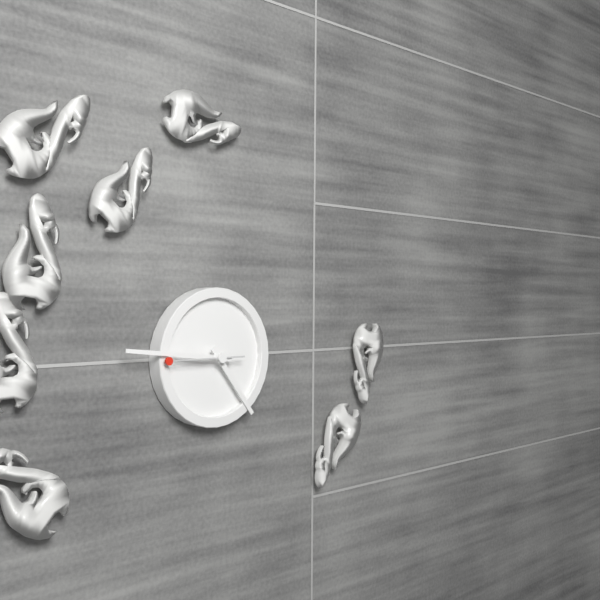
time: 4:46:45
